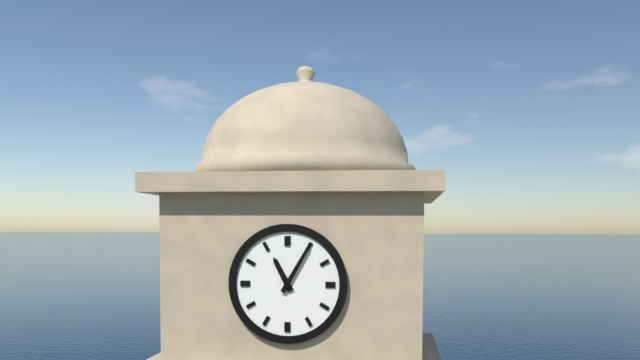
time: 11:05
